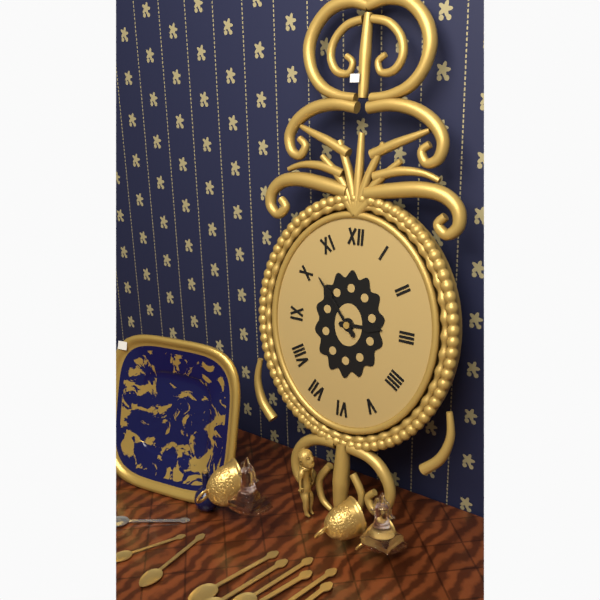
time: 2:53
